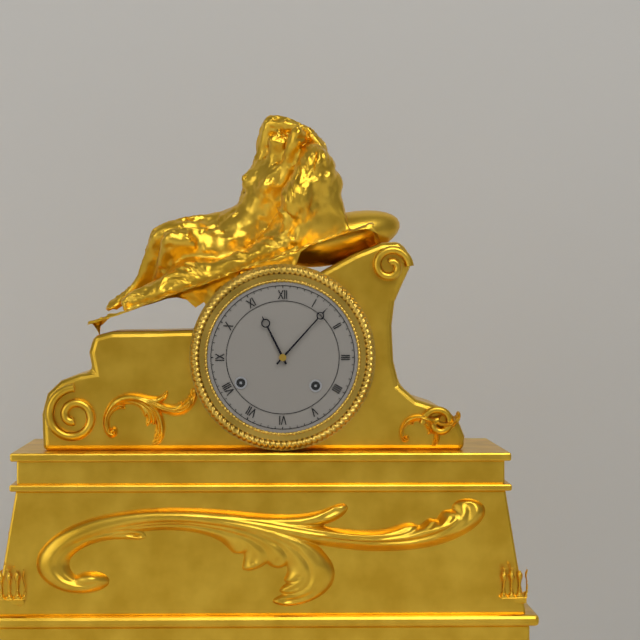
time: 11:07
